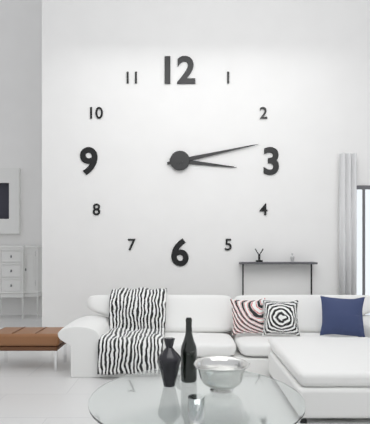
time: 3:13
